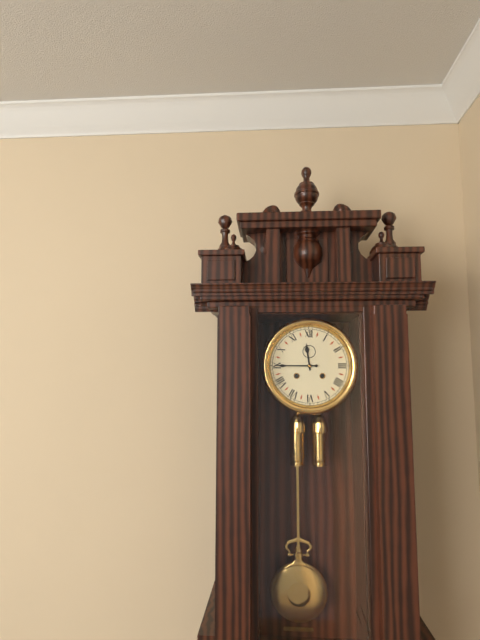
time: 11:45
